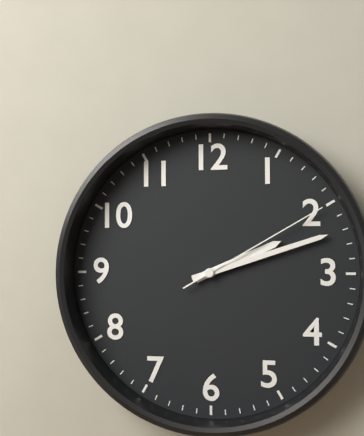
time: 2:12:10
